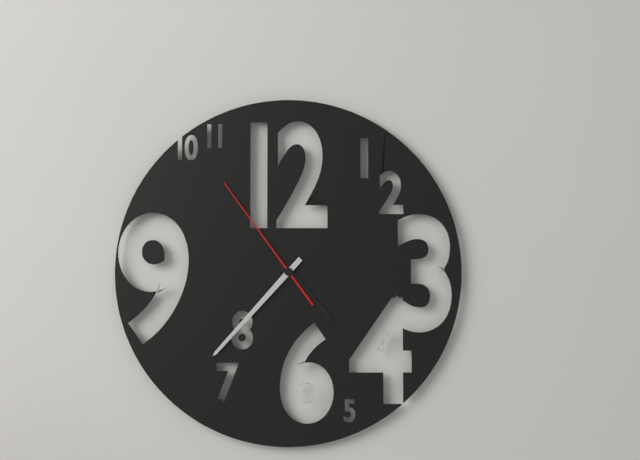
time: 4:37:54
